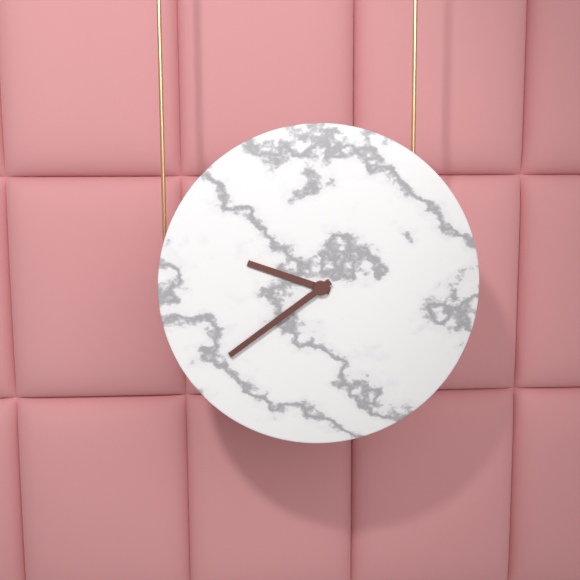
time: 9:39
